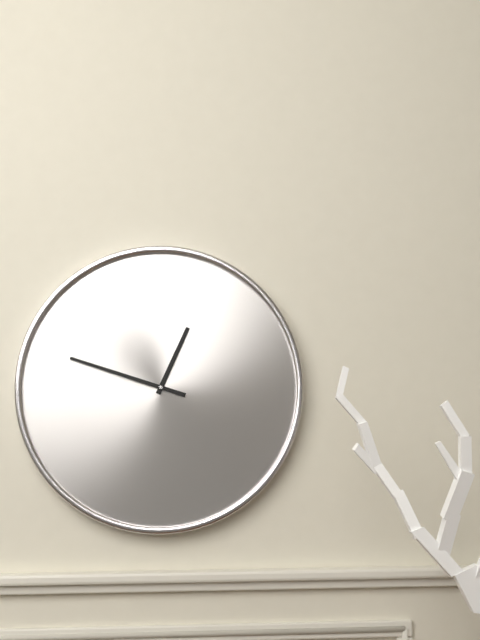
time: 12:48
